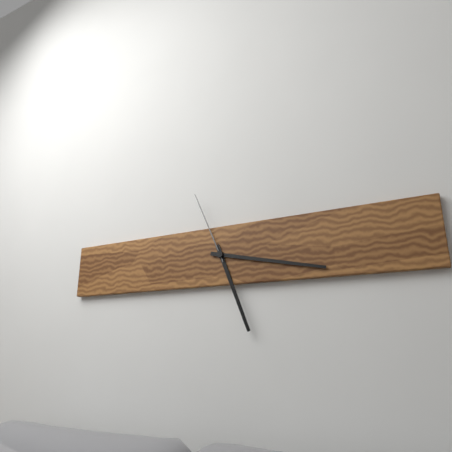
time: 5:17:56
